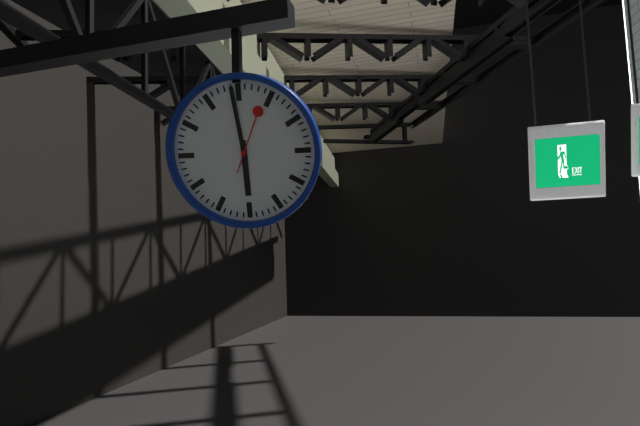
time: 5:59:04
